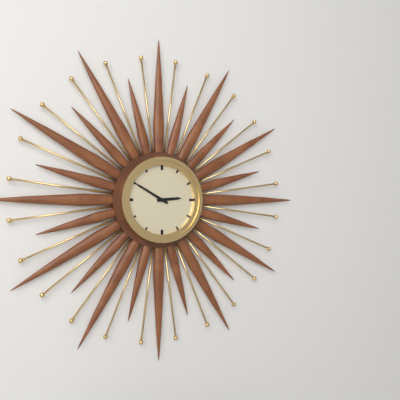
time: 2:50
